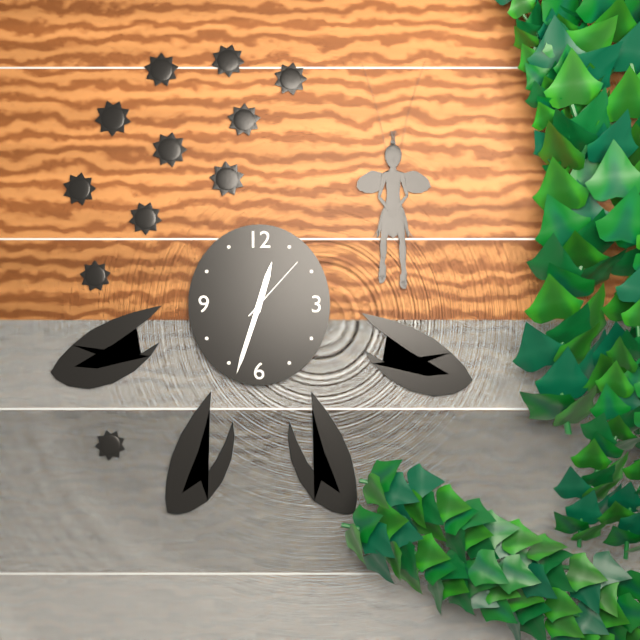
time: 12:33:07
